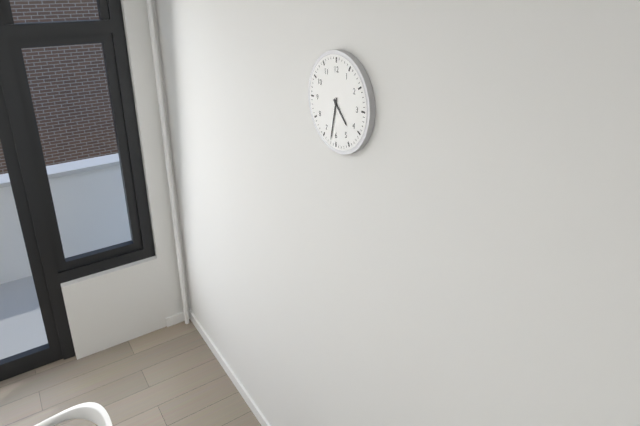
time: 4:32
